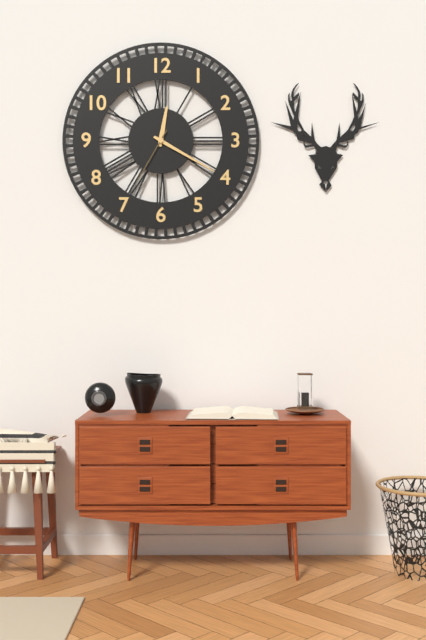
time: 12:20:35
